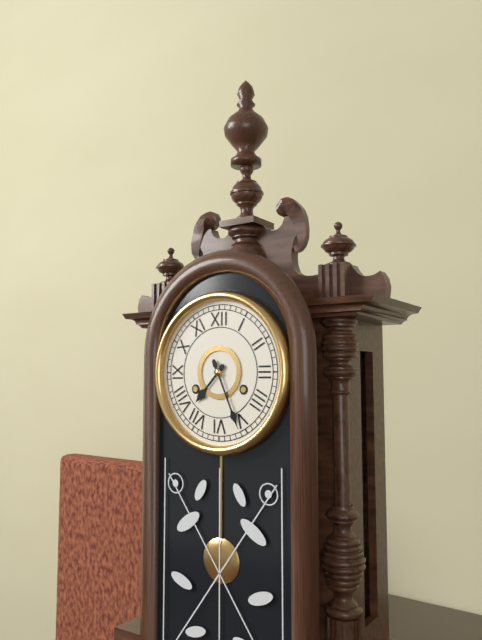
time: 7:26
